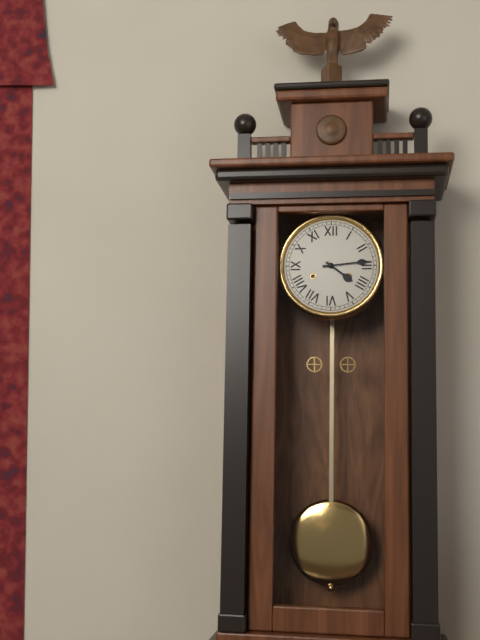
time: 4:14
